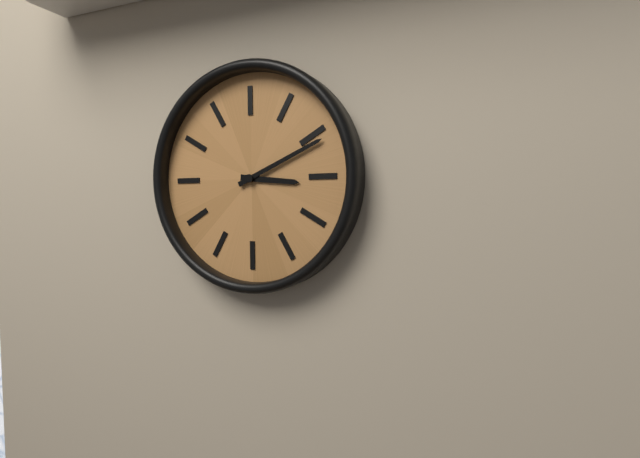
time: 3:11
